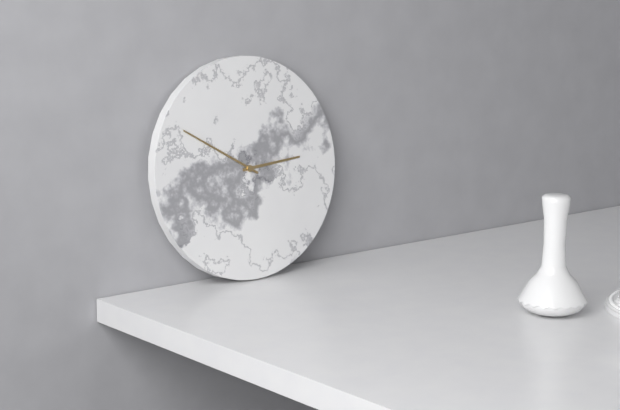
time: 2:50
